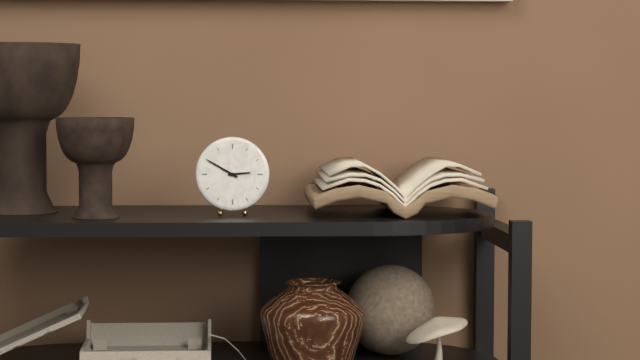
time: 2:50
